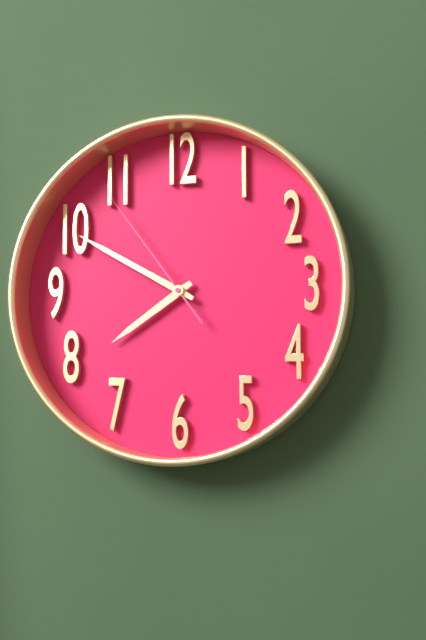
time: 7:50:54
